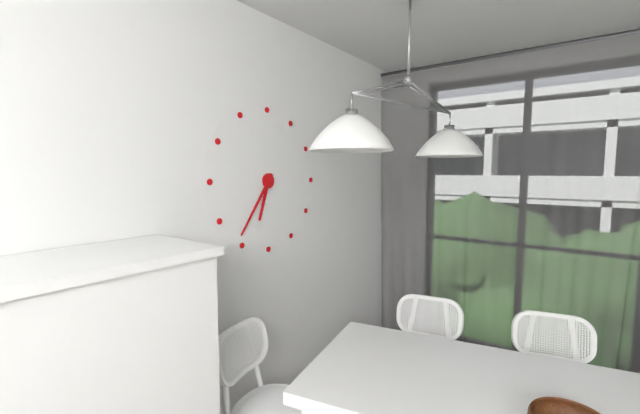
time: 6:36
